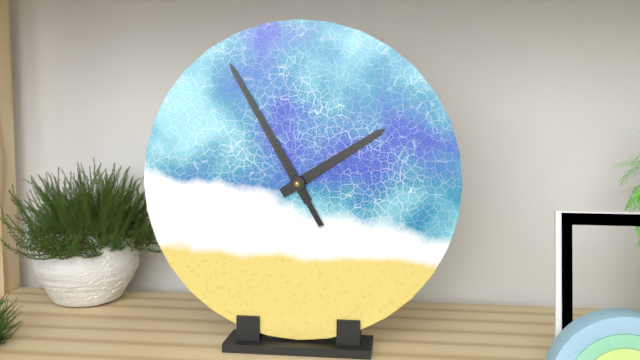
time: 1:55:55
